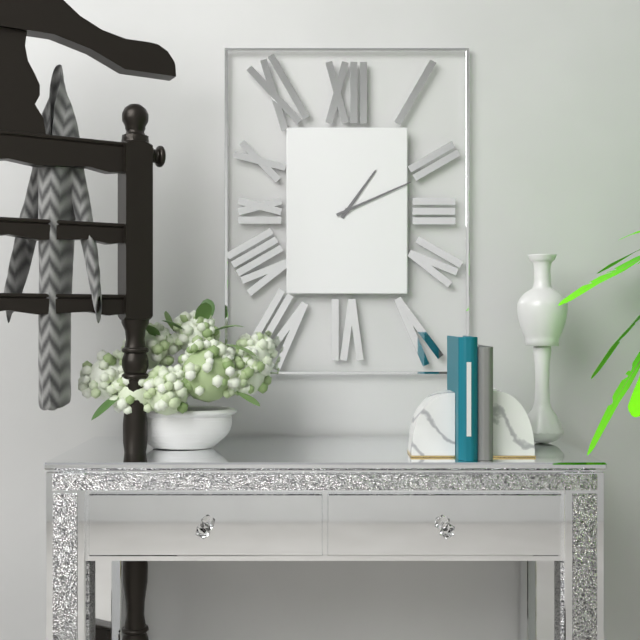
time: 1:11
